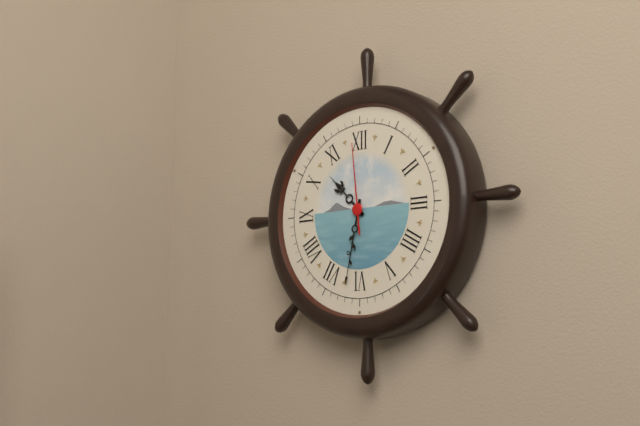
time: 10:32:59
